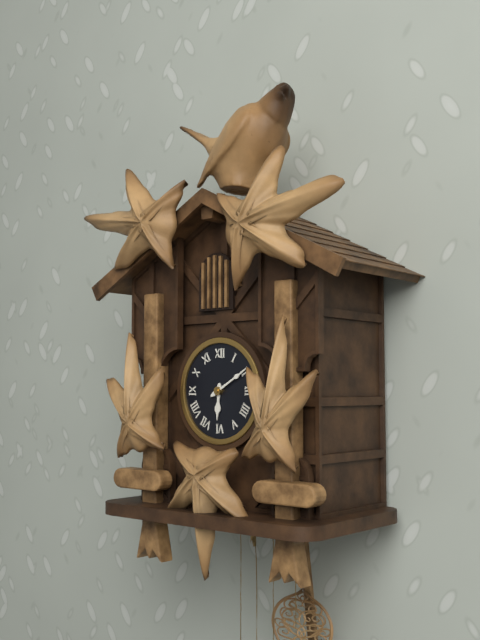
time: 6:10
